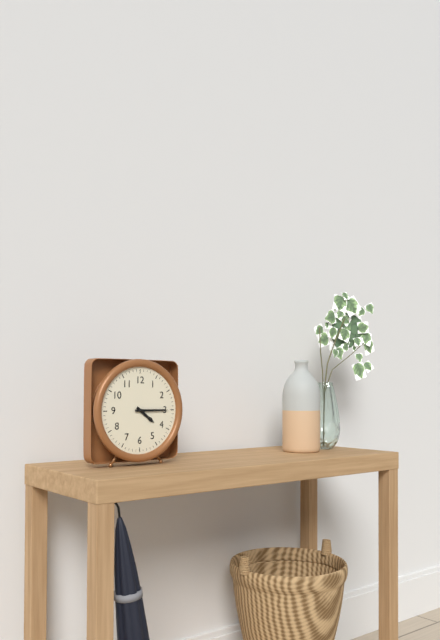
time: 4:15
